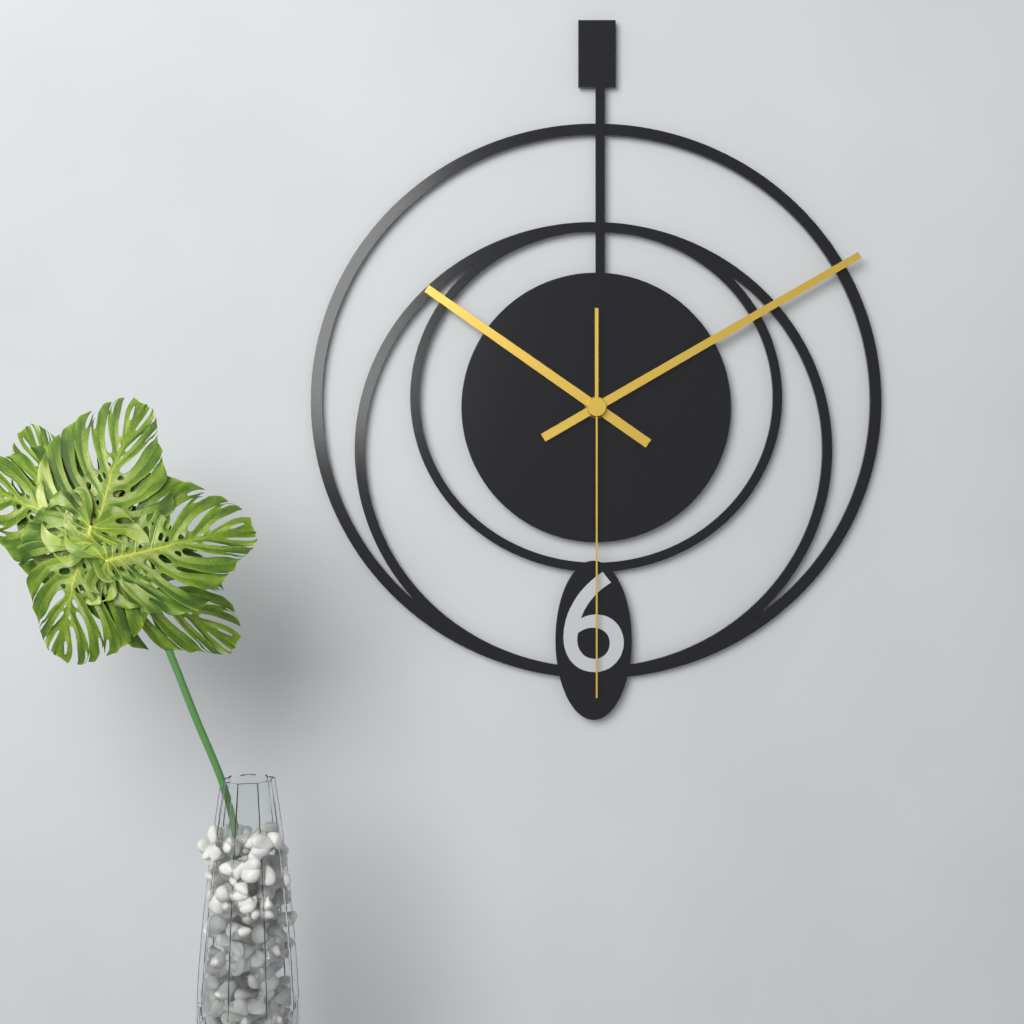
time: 10:10:30
